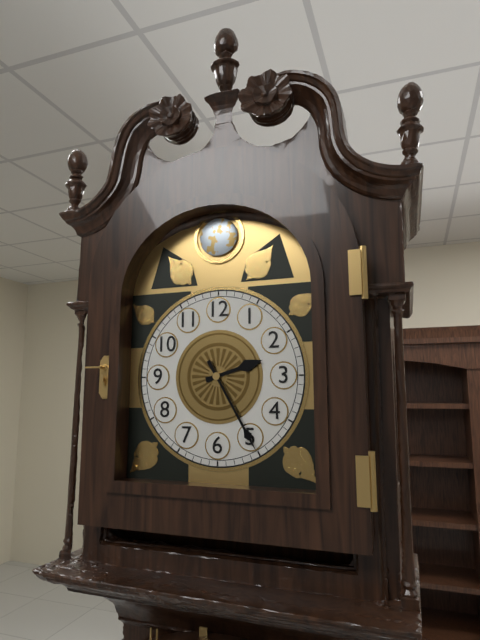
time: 2:25
